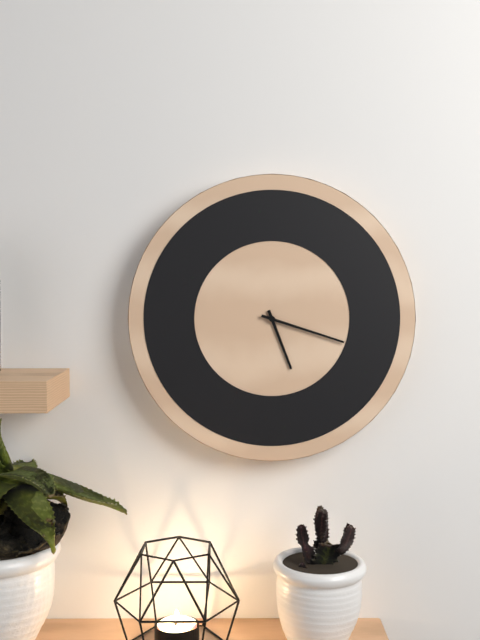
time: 5:18
